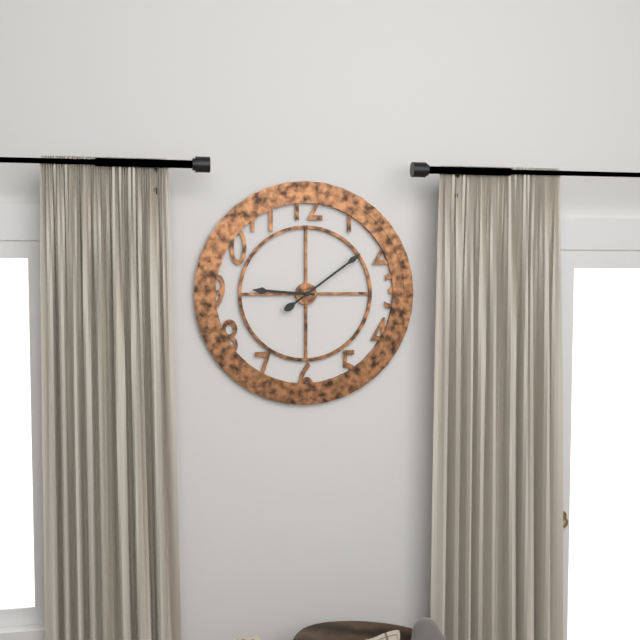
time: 9:09
